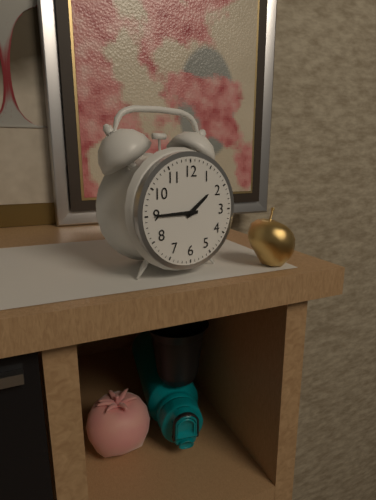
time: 1:45
